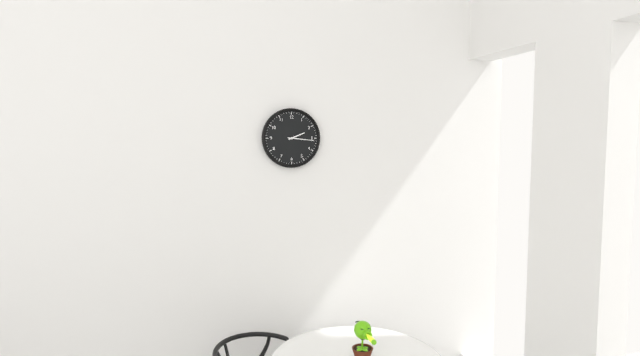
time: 2:16
